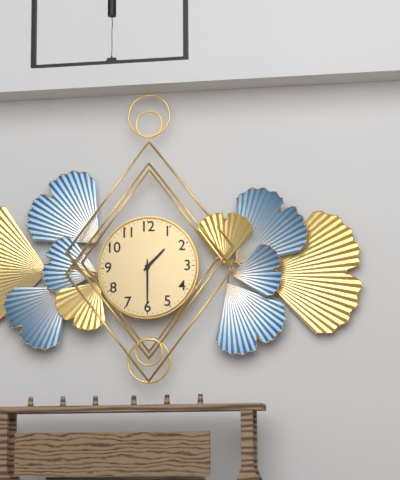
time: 1:30
